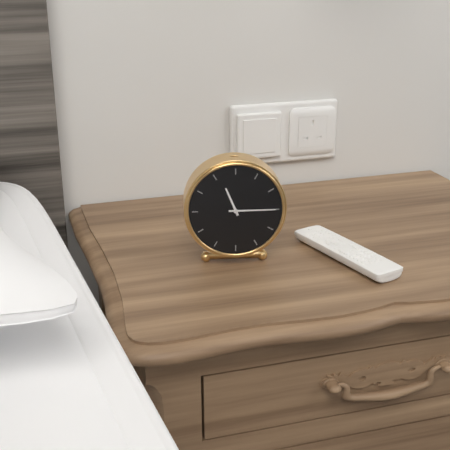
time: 11:15
